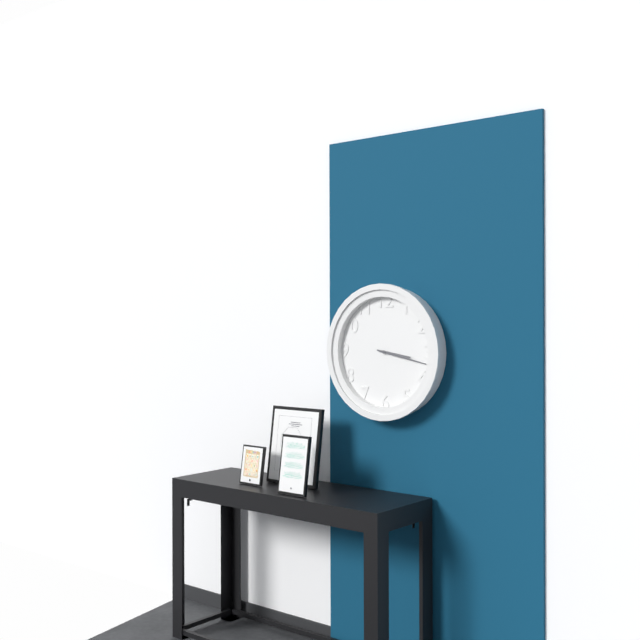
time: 3:17
